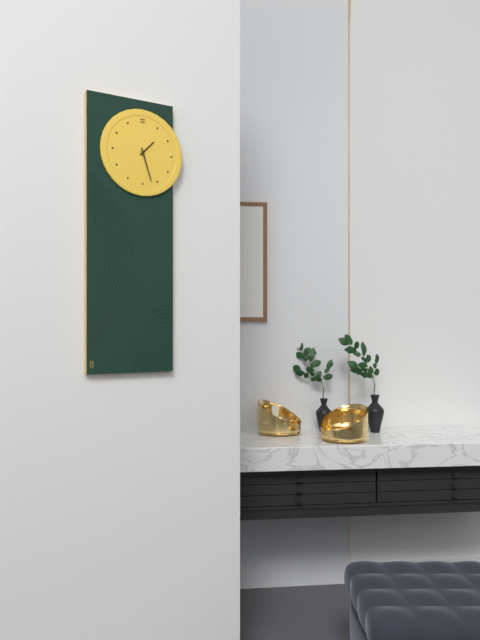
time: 1:27
